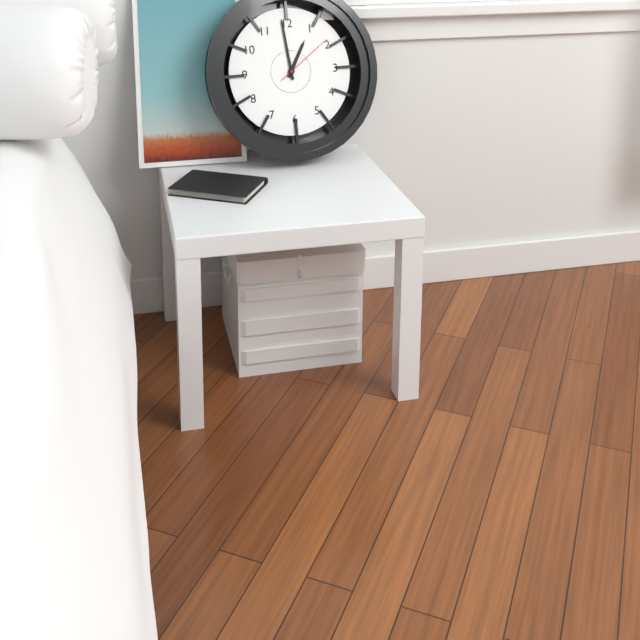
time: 12:59:09
